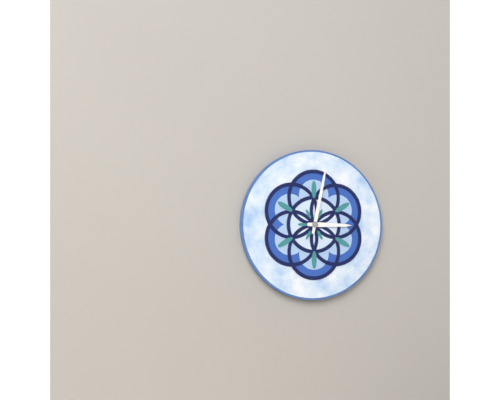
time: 3:02
